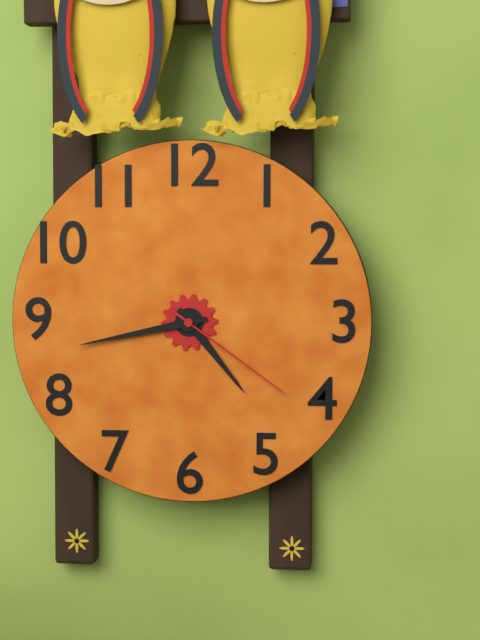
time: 4:43:21
